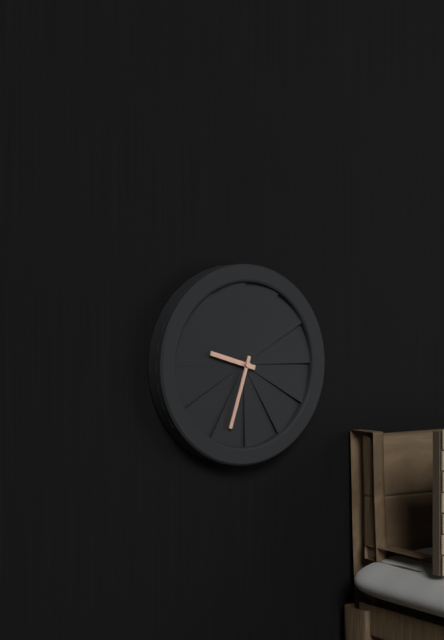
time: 9:33
